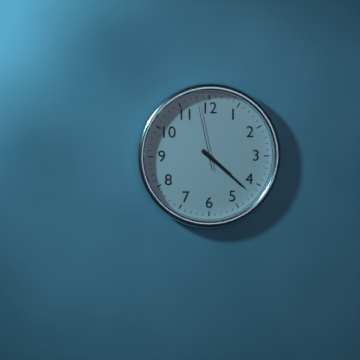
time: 4:22:58
